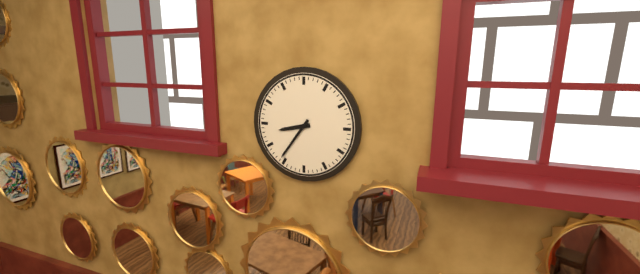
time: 8:36
